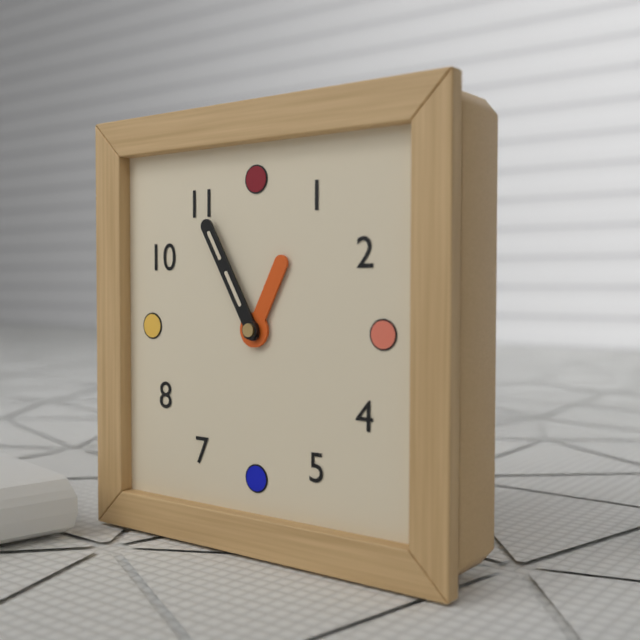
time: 12:55
